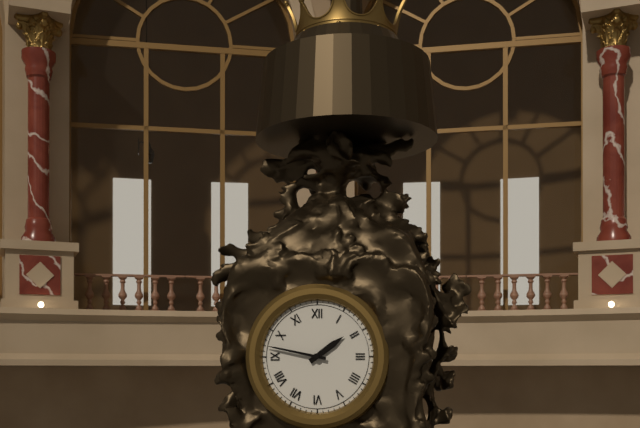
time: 1:47
